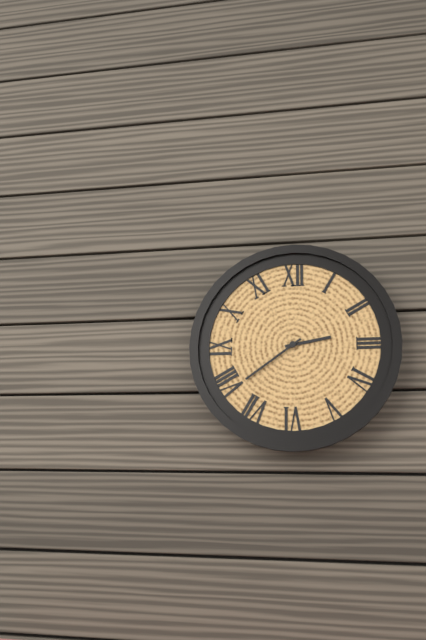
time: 2:39
